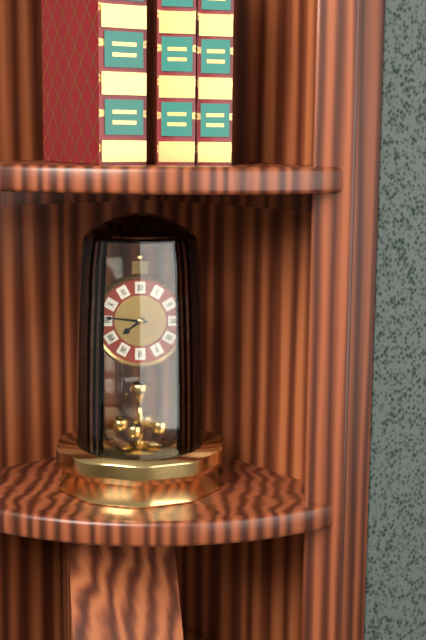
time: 7:46
